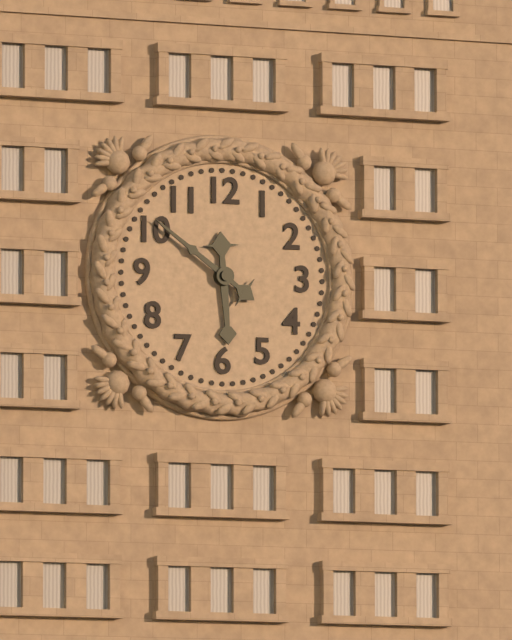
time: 5:51
